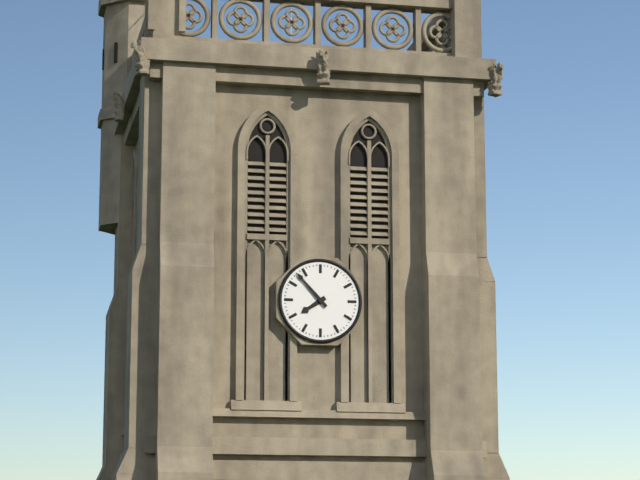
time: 7:53
